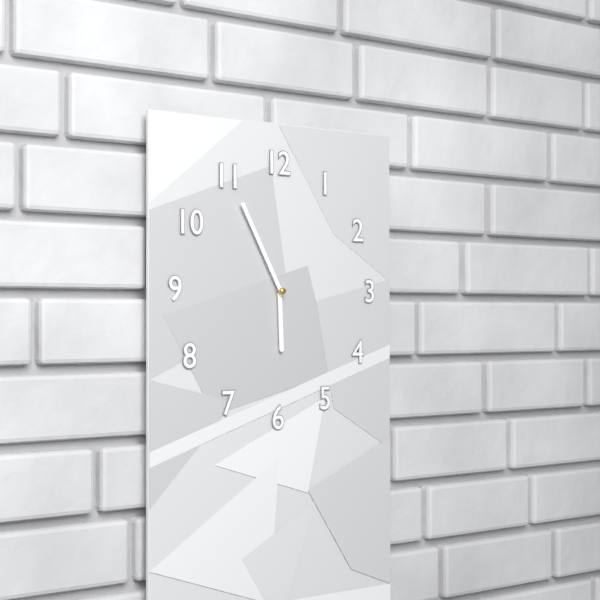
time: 5:55
